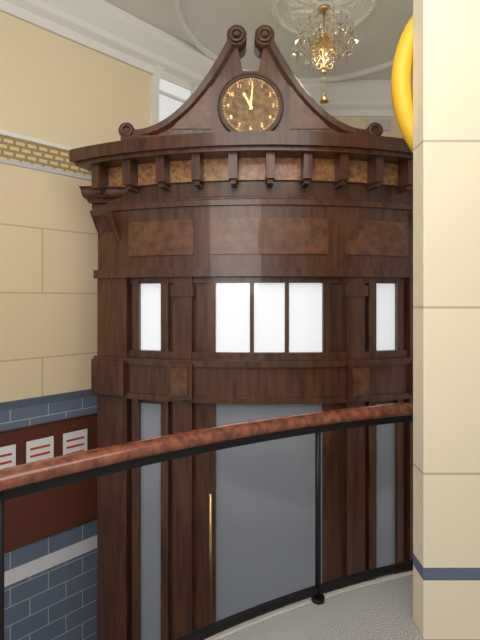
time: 11:01
